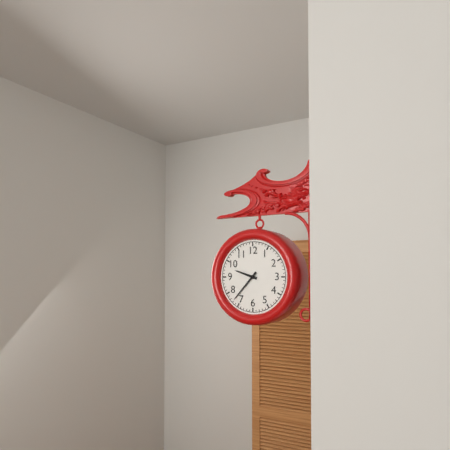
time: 9:37
